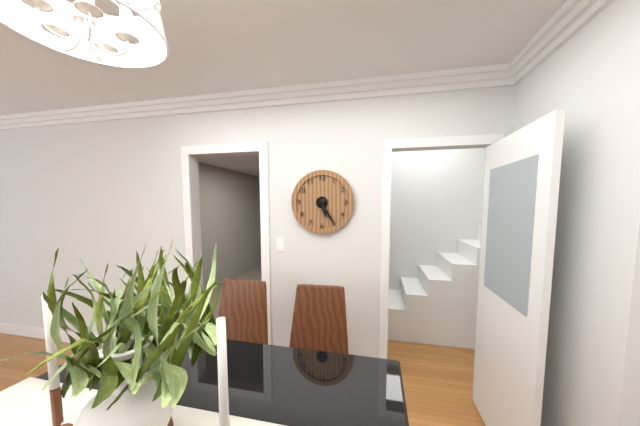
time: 5:25
